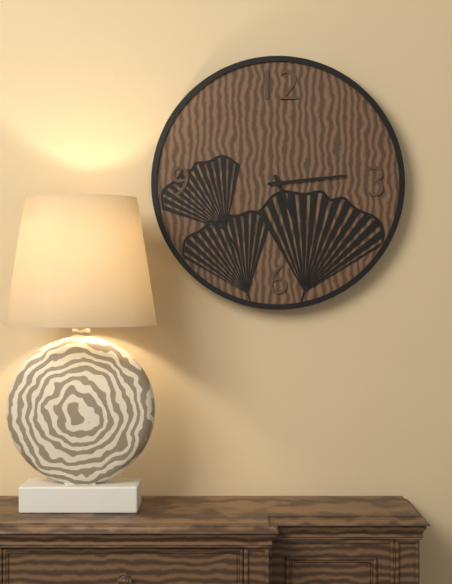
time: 5:14
